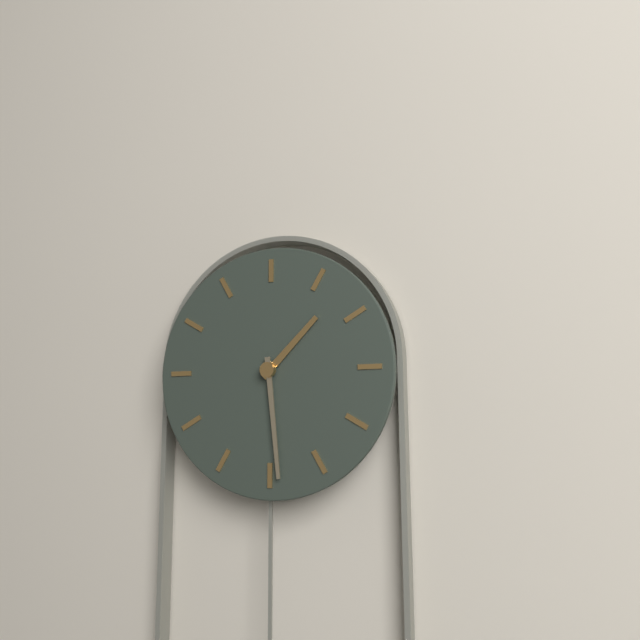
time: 1:29
